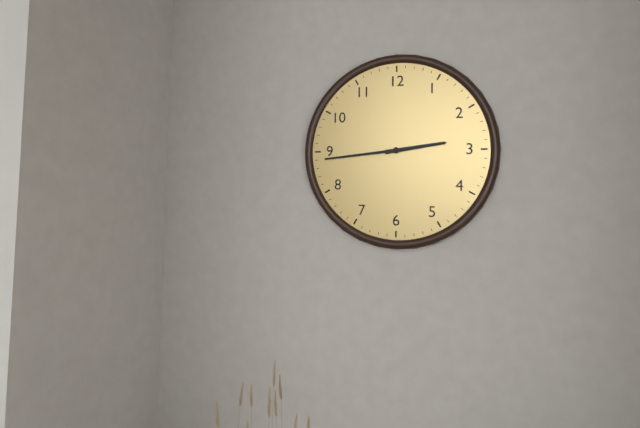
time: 2:44
